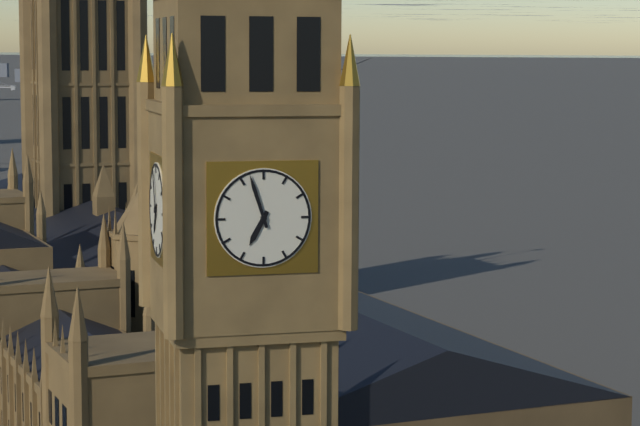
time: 6:57
